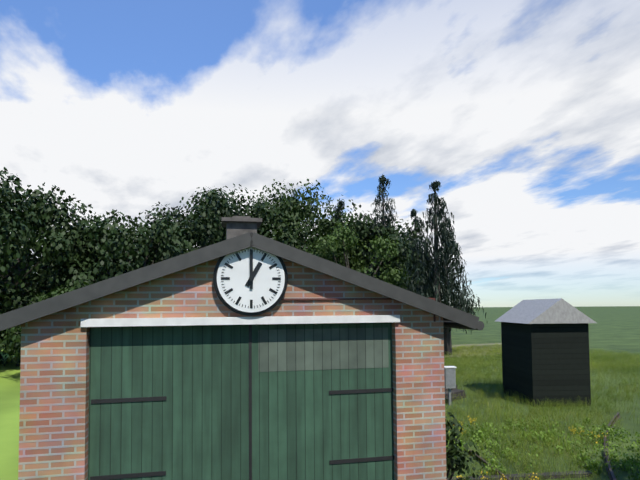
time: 1:00
